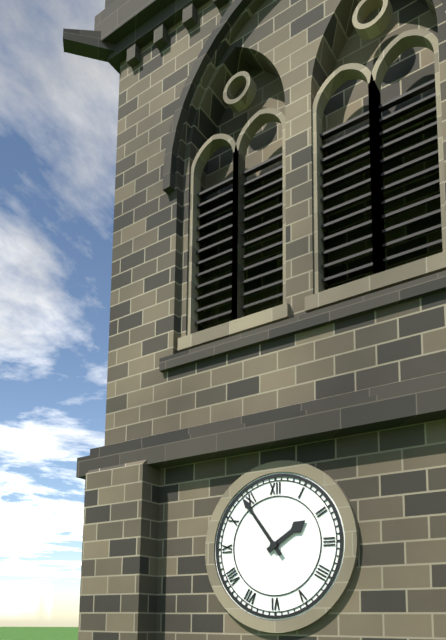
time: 1:54
